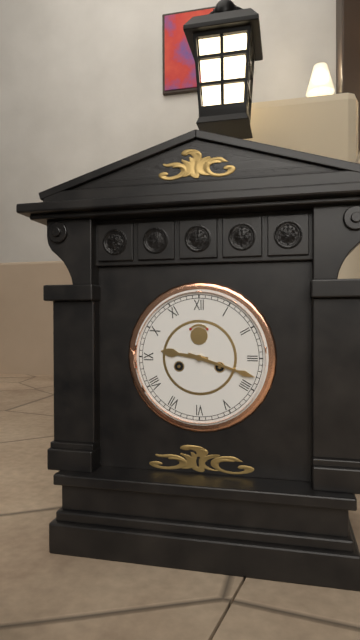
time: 9:18
